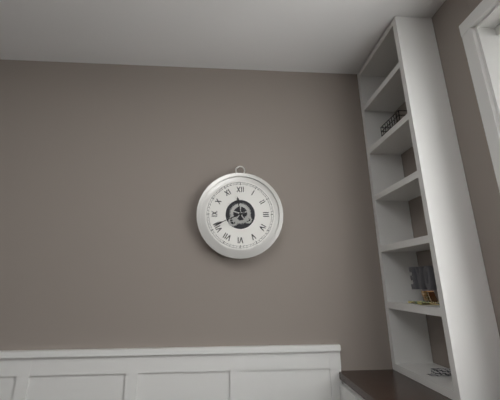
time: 11:41
